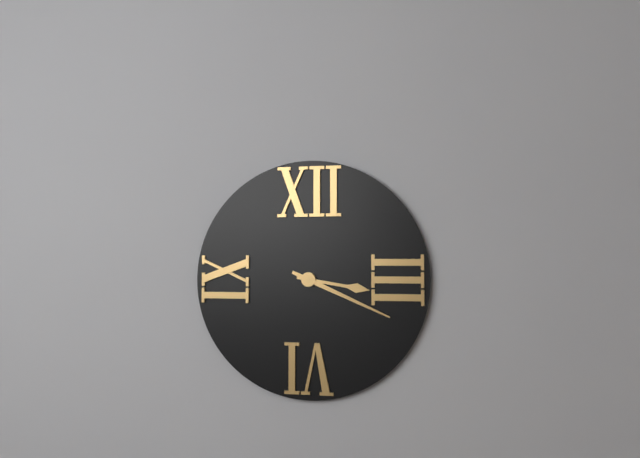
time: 3:19
